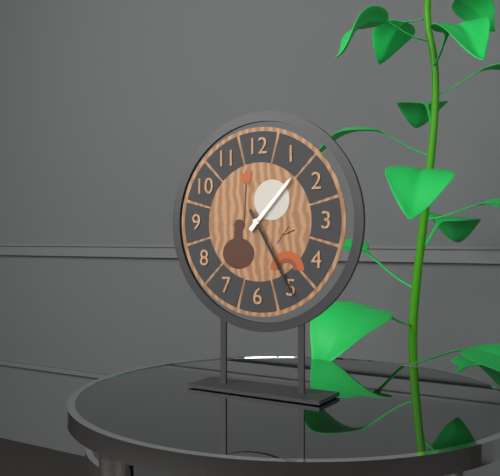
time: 1:25
